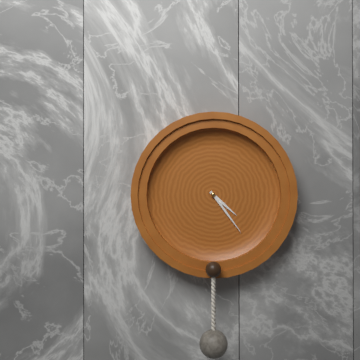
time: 4:24
